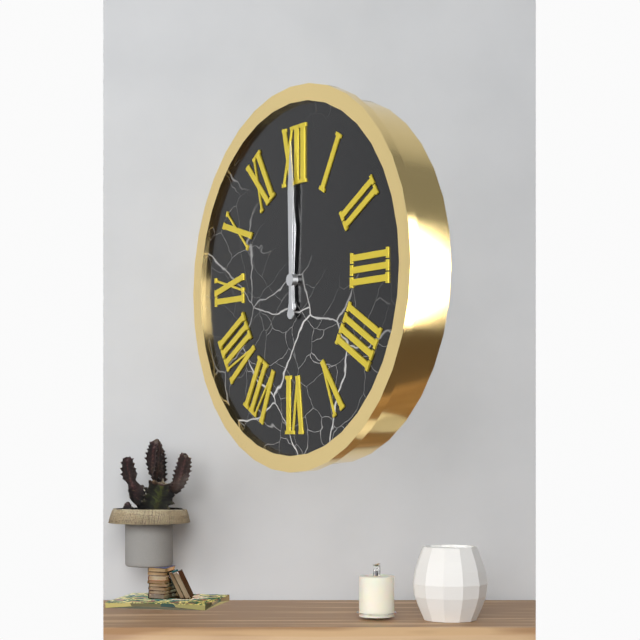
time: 12:00
